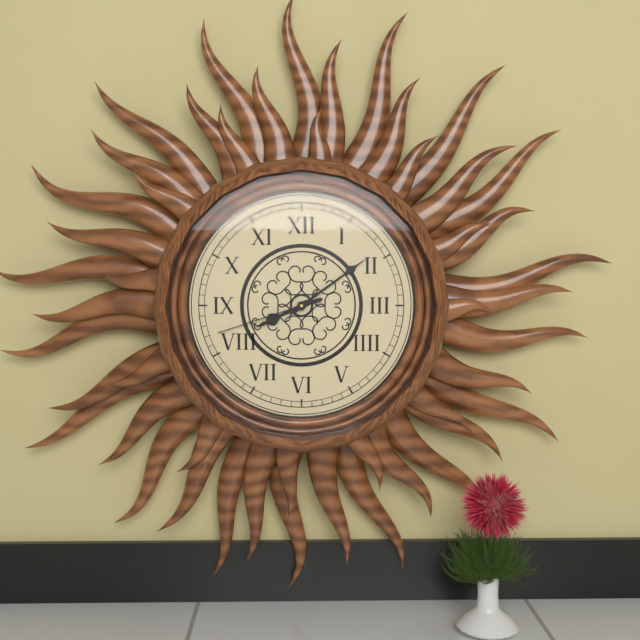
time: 8:09:42
